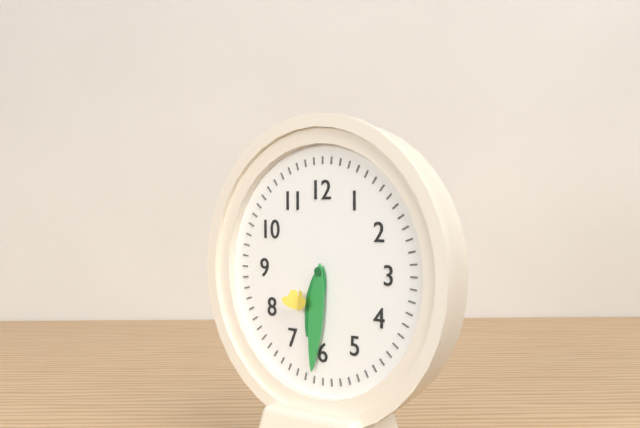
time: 6:31
